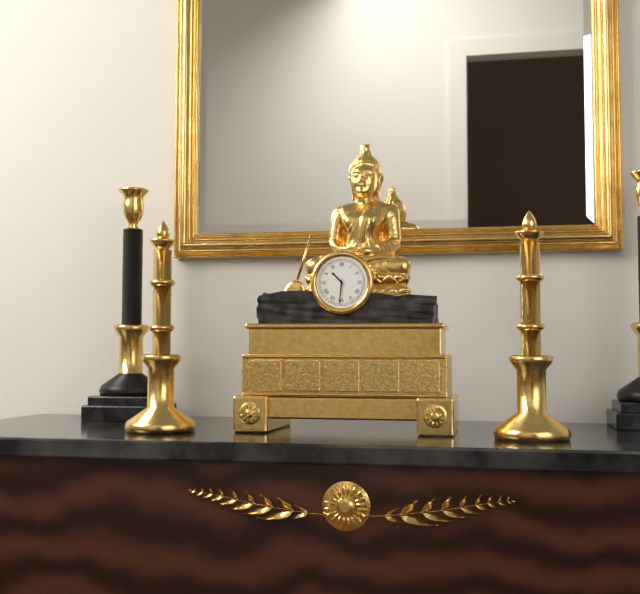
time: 10:31
